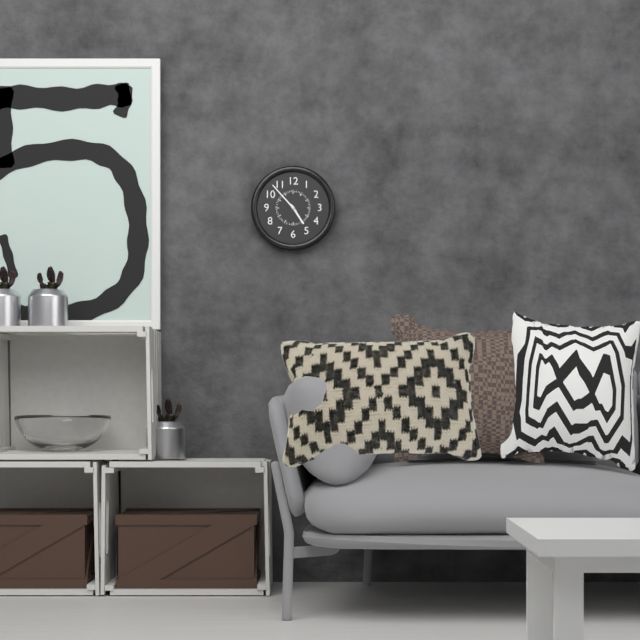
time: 4:53
